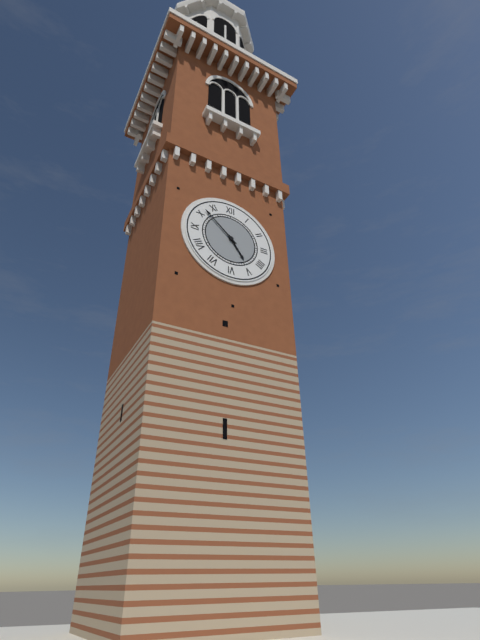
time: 4:52
